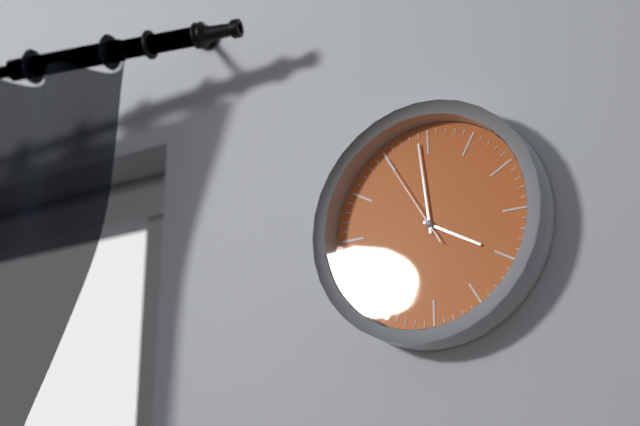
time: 3:59:55
